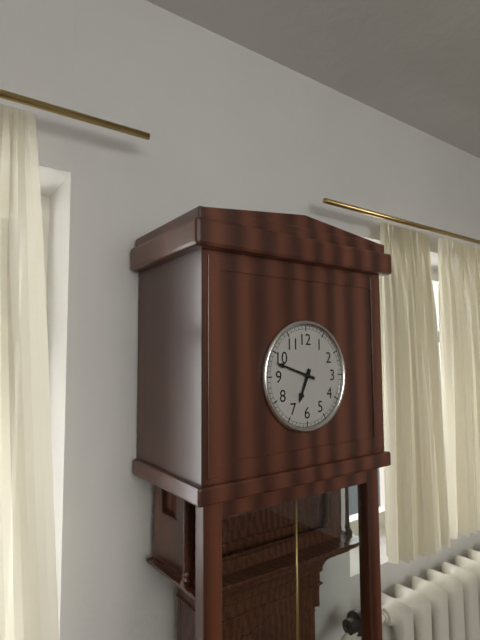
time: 6:48
